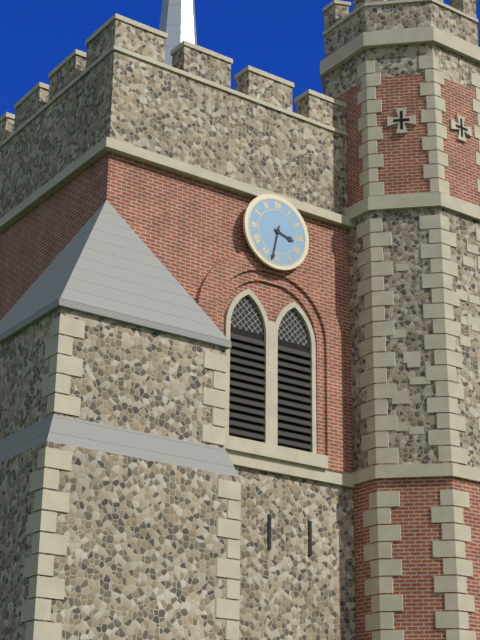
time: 3:32
